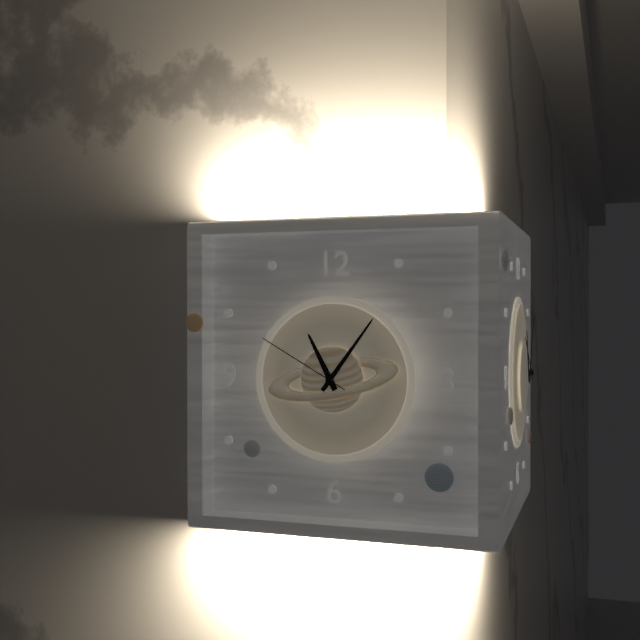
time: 11:06:50
